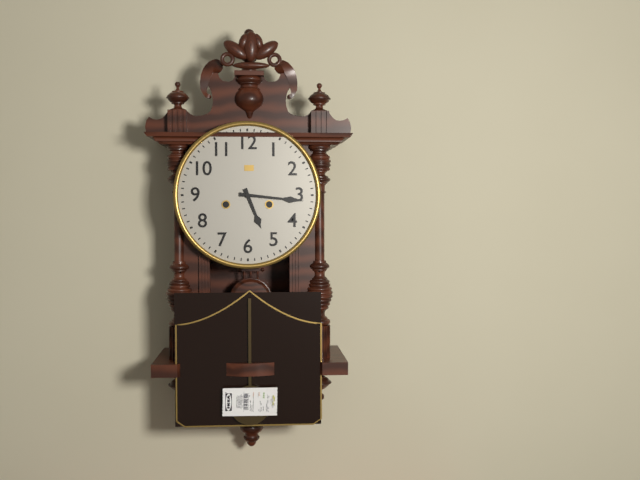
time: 5:16
